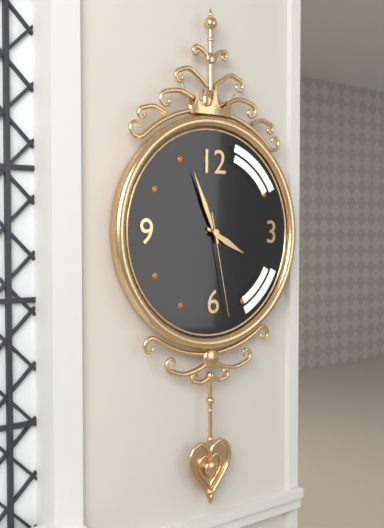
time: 3:56:28
